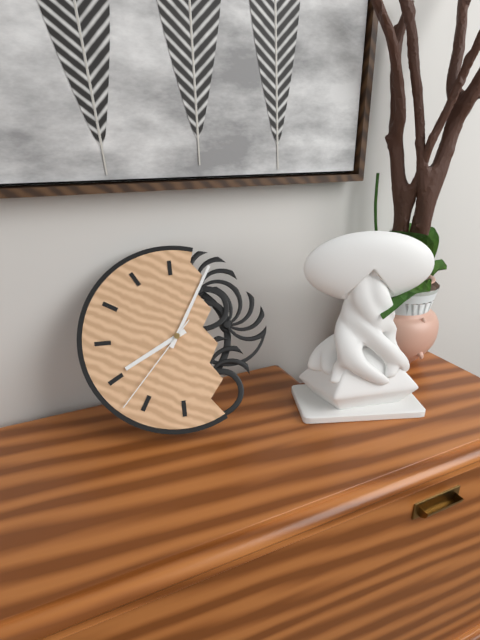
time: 8:05:37
